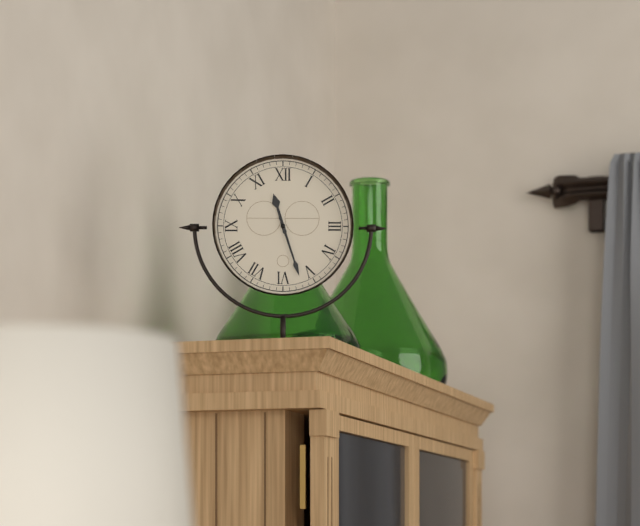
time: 11:27
